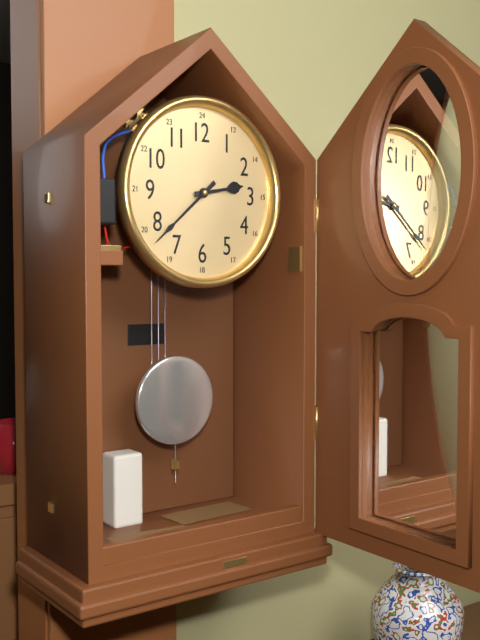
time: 2:38
